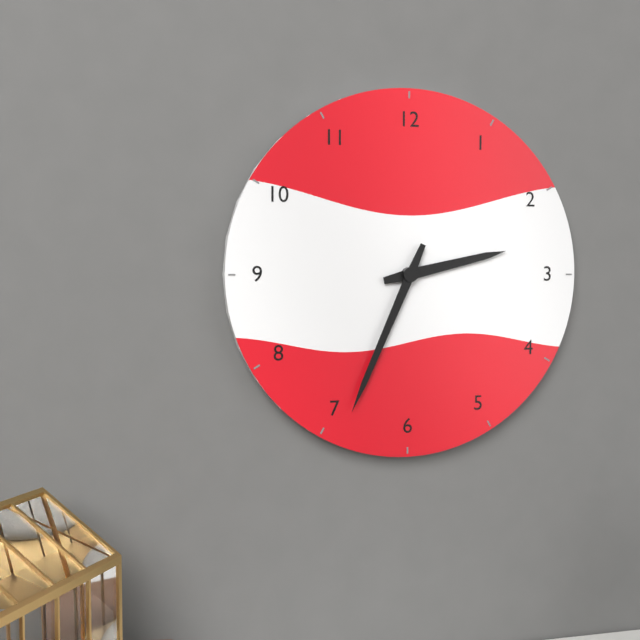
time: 2:34
